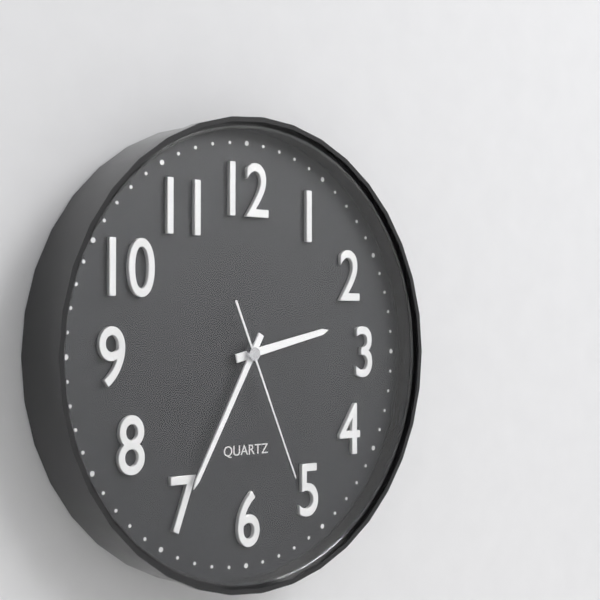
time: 2:35:26
